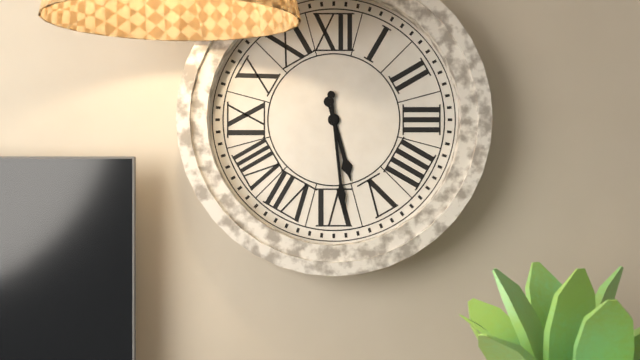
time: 5:29
